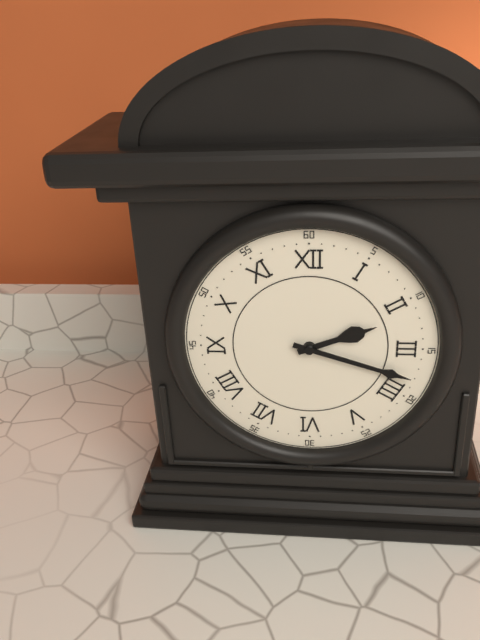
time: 2:18
